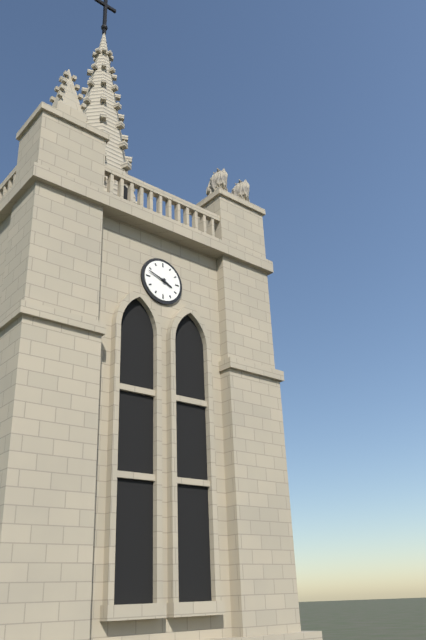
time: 3:48
